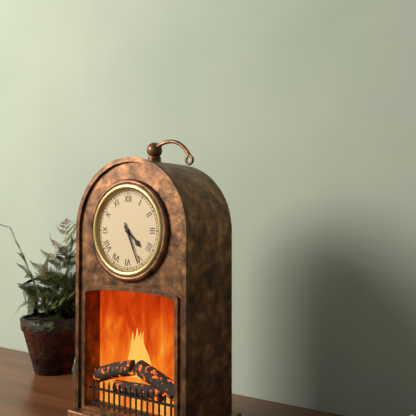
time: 4:26
